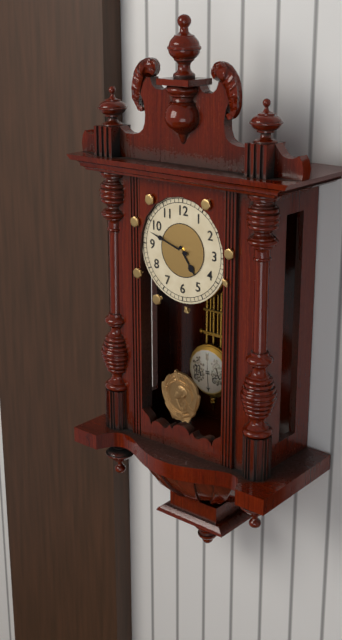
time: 4:48
